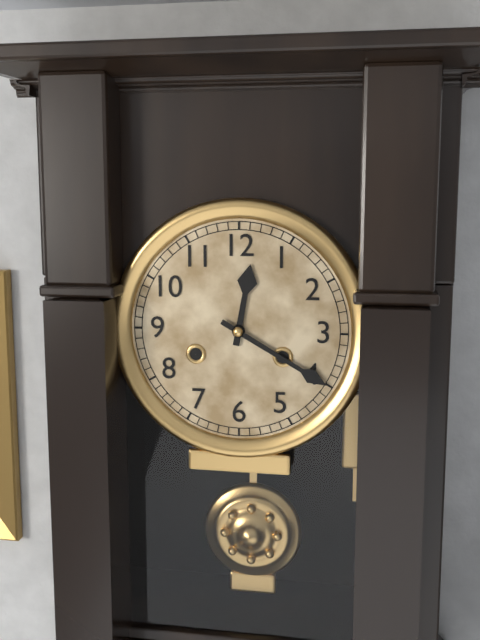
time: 12:20
